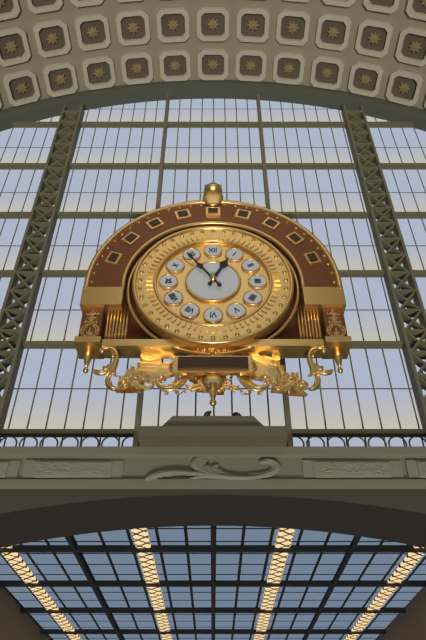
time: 12:54
